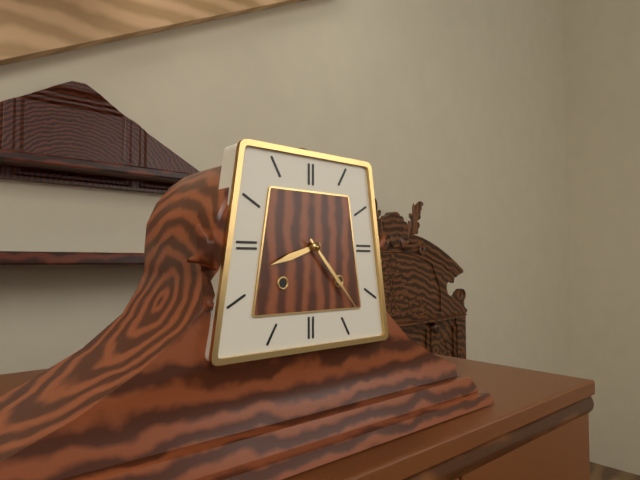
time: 8:23
